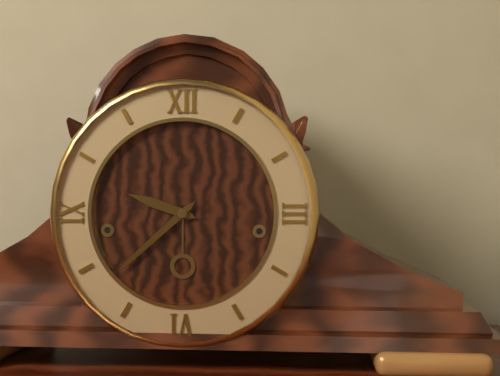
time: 9:38
